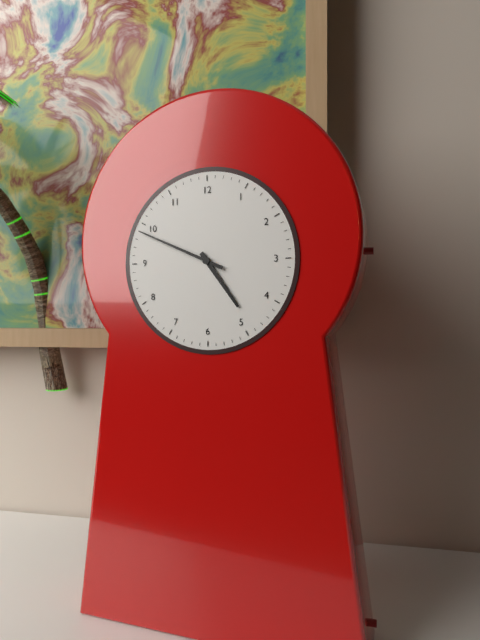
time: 4:49
